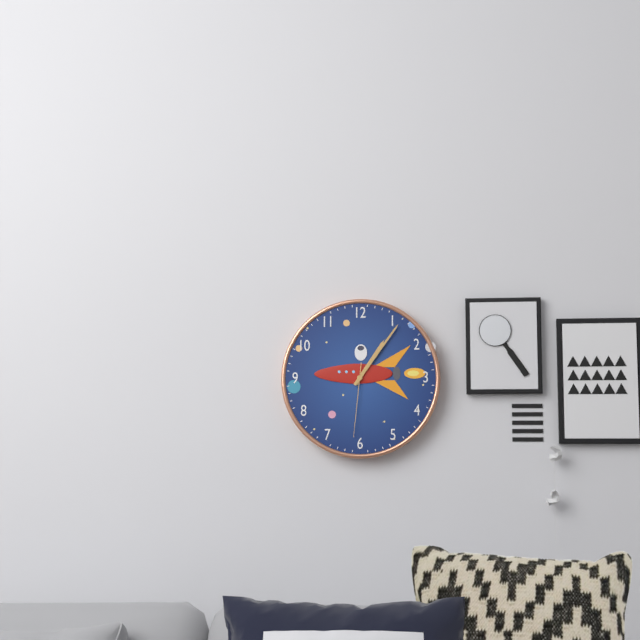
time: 1:06:31
